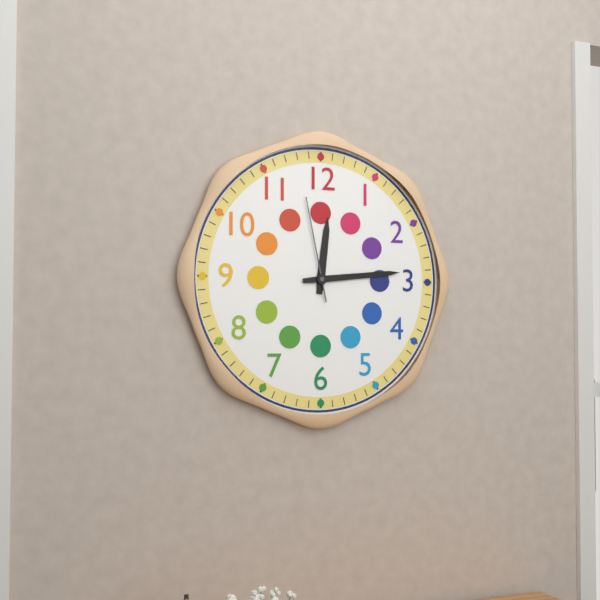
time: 12:14:58
